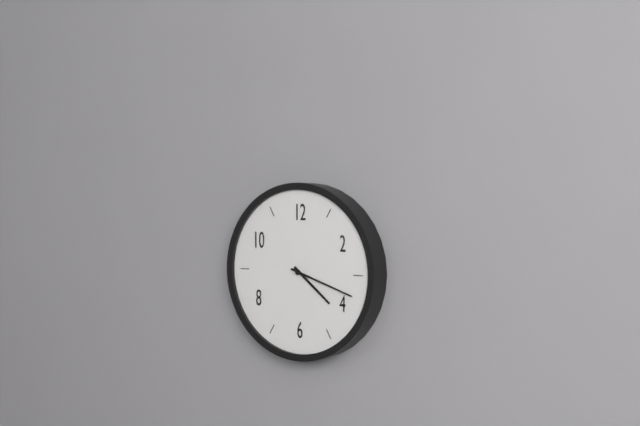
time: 4:18
